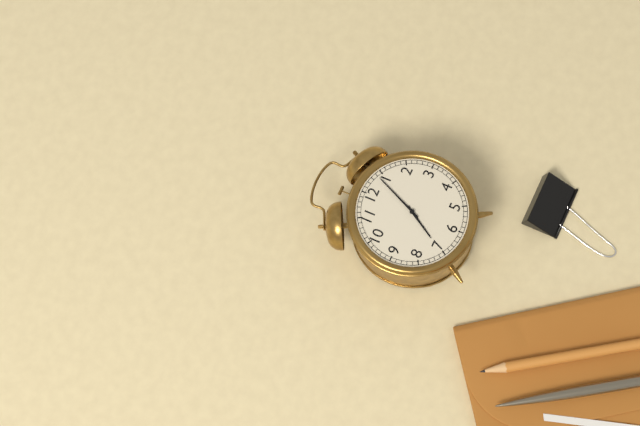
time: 7:04
